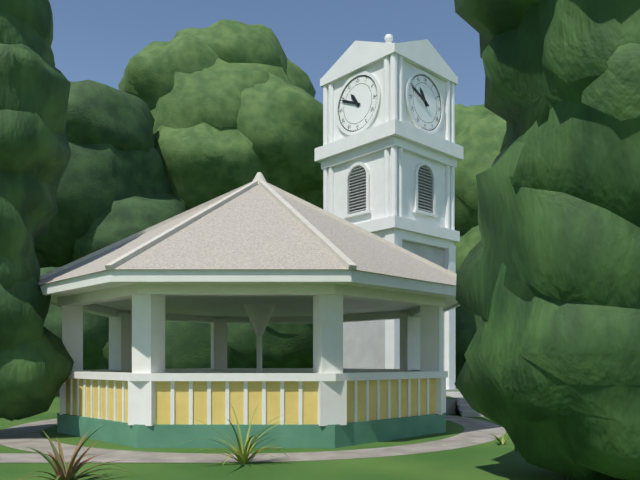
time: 10:49
